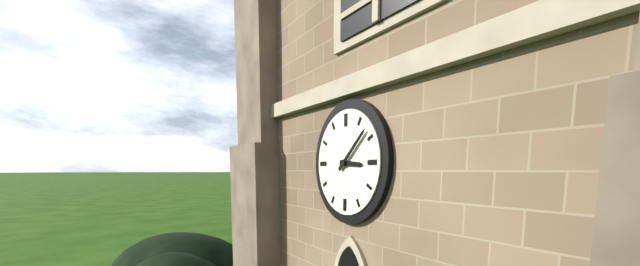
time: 3:08
